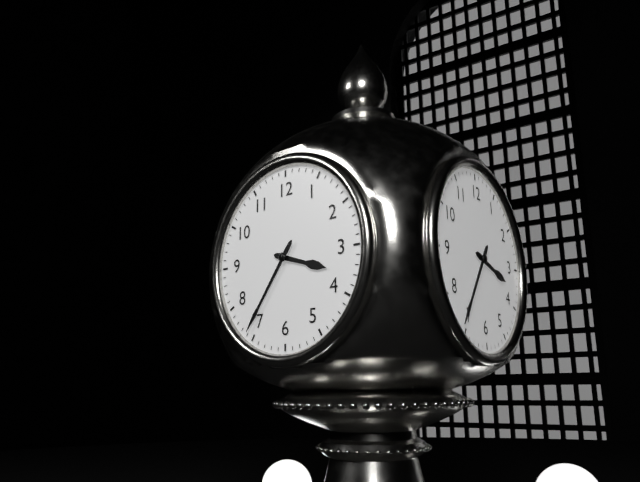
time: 3:36
